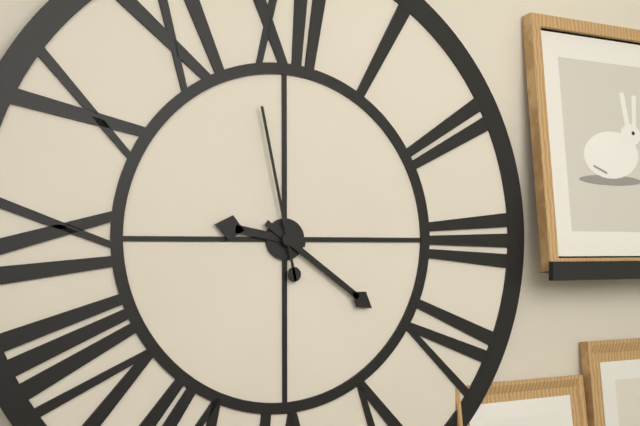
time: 9:21:58
